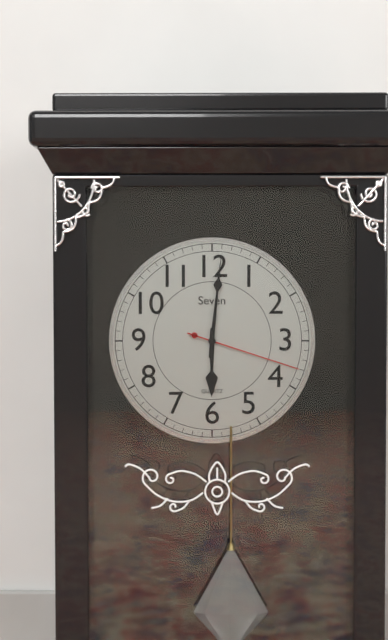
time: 6:01:18
